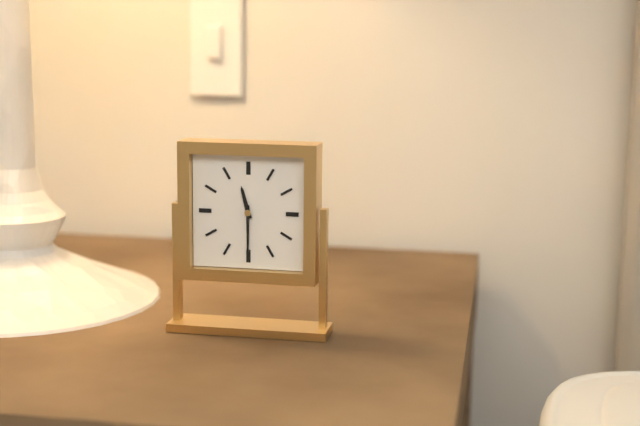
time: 11:30
